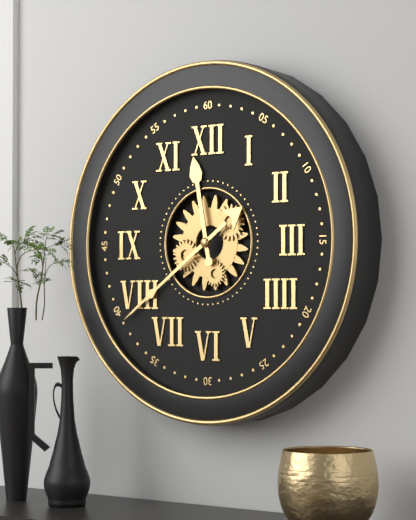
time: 11:39
